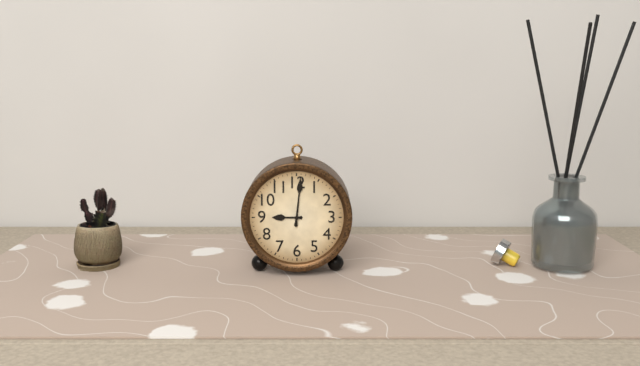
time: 9:01
